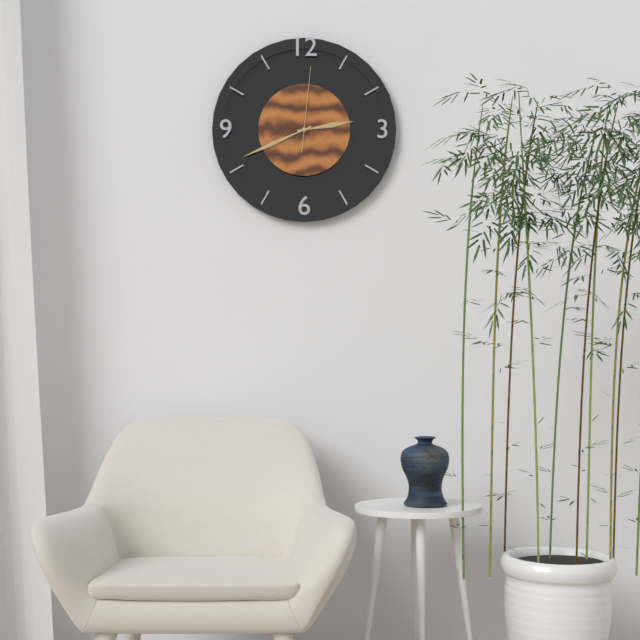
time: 2:41:01
